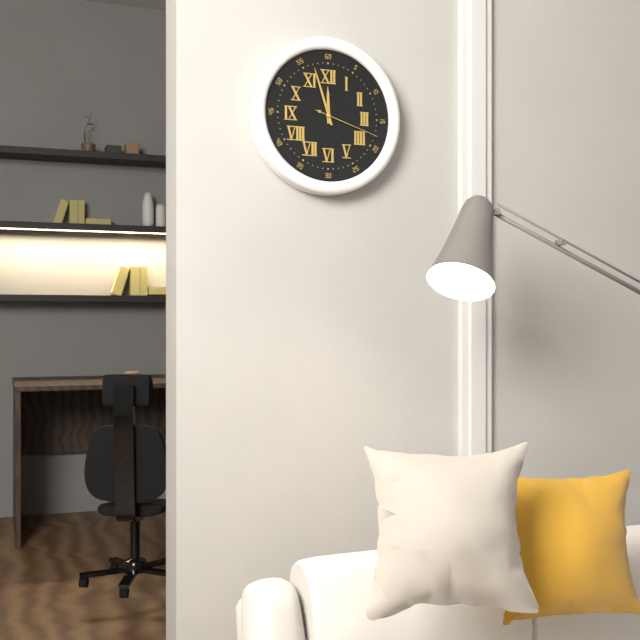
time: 11:57:18
